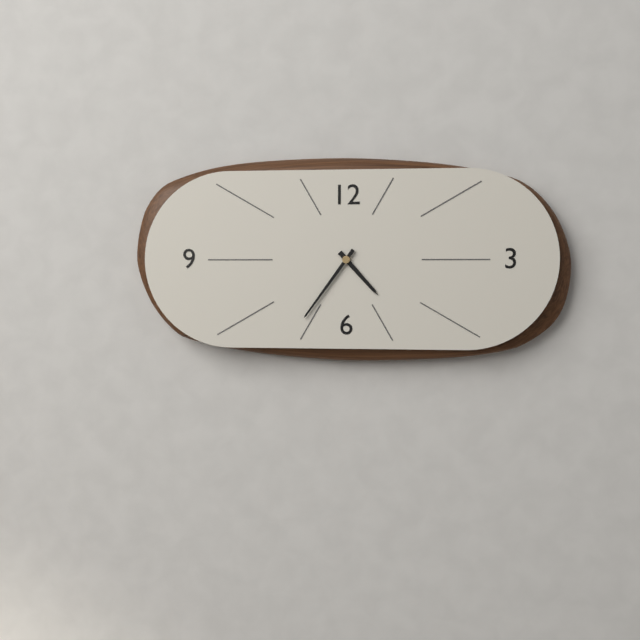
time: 4:36
